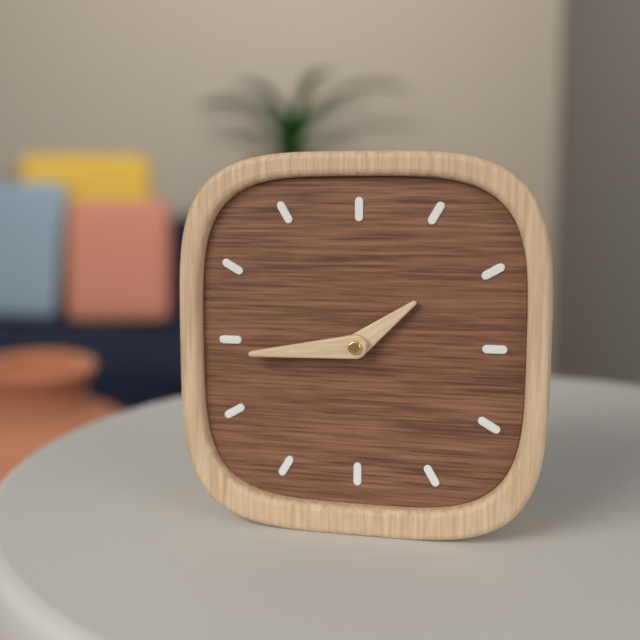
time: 1:44
